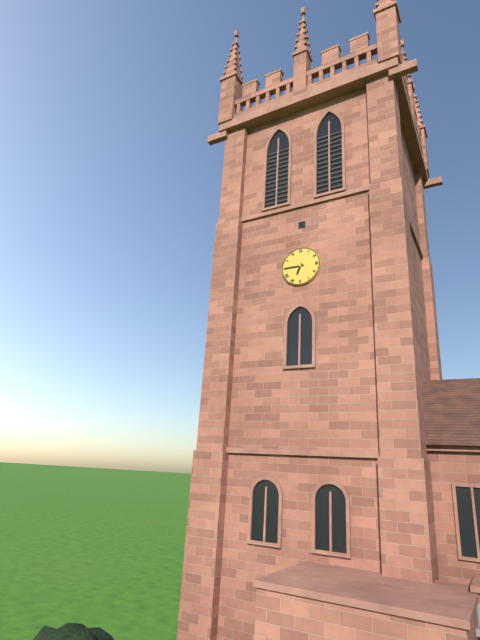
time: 6:45
